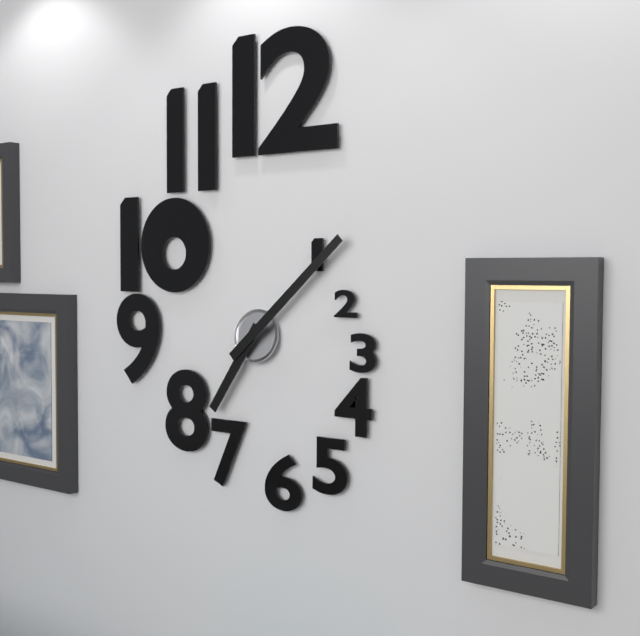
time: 7:08
